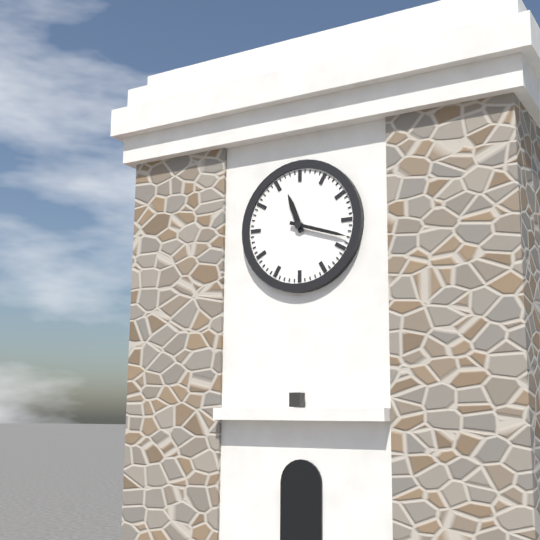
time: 11:18
